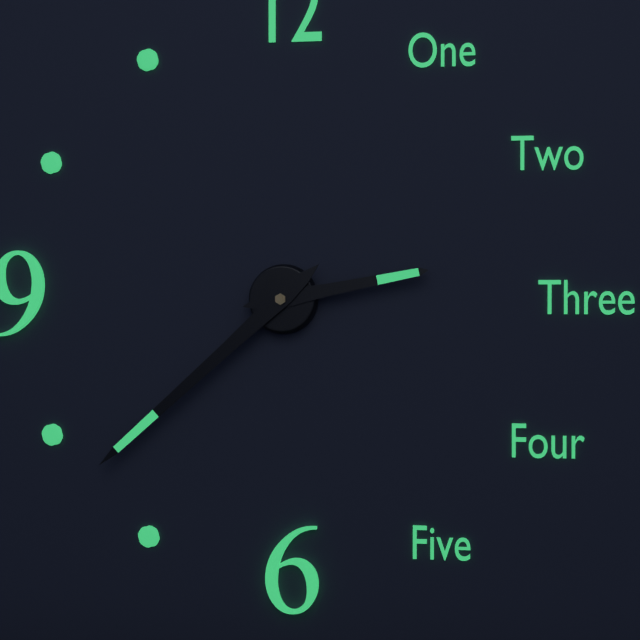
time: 2:38
